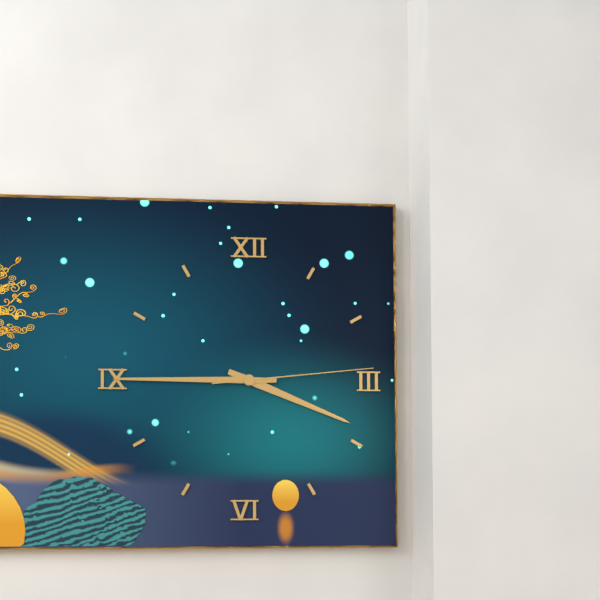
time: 3:45:14
